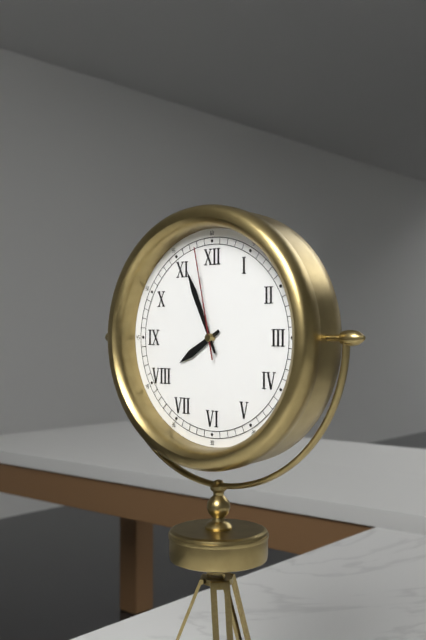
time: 7:56:58
